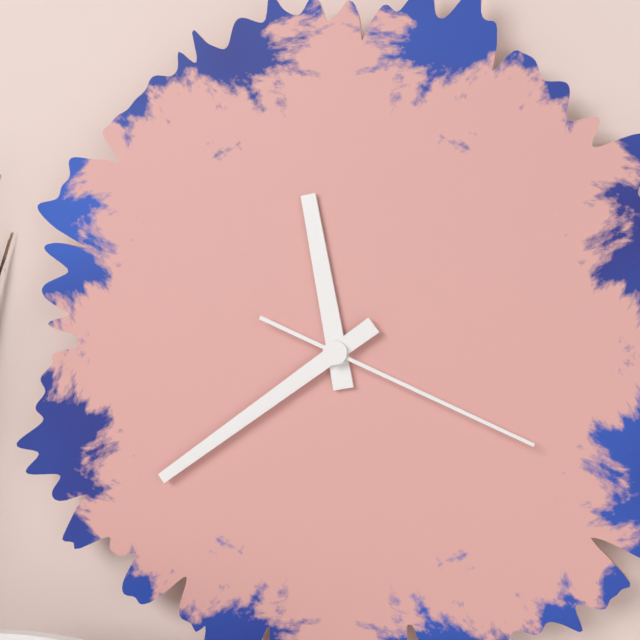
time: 11:39:19
